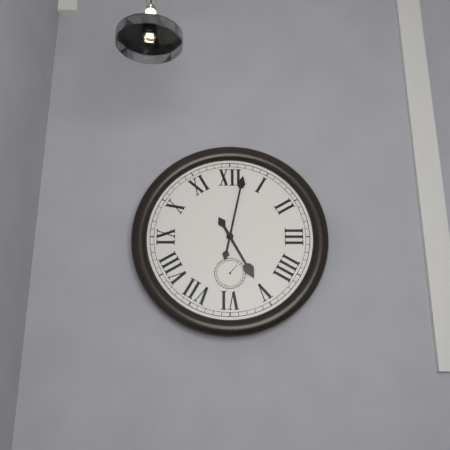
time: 5:02
